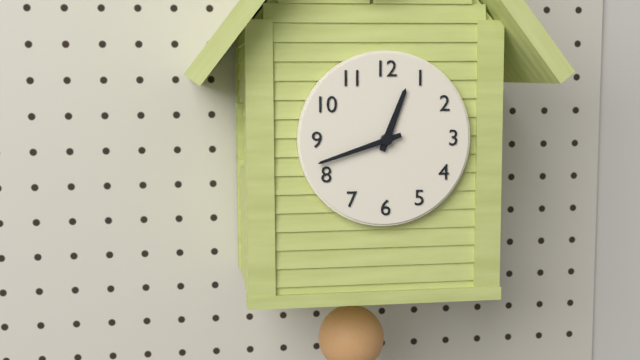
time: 12:42
